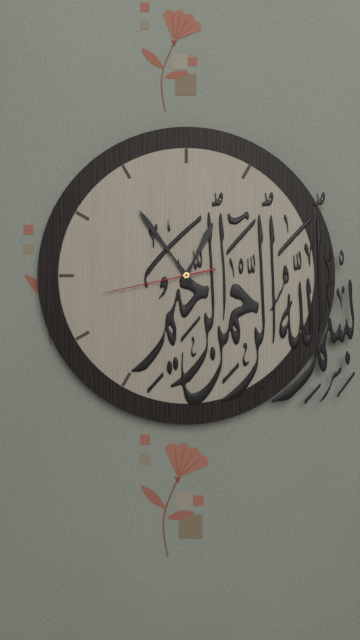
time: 12:54:43
